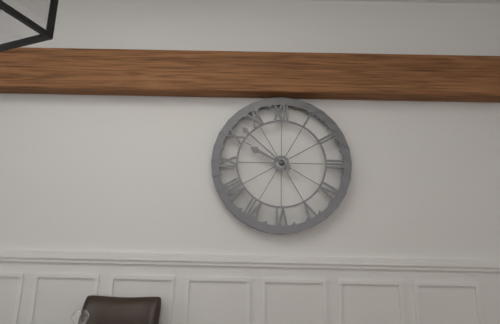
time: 9:52
